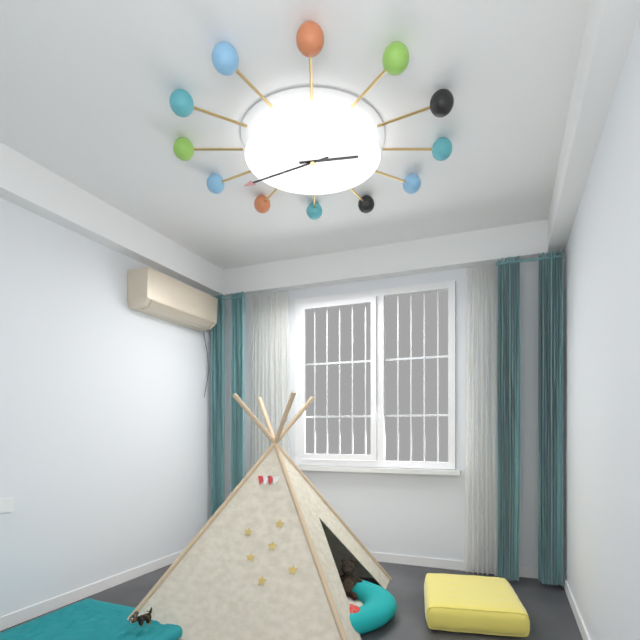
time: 2:40
